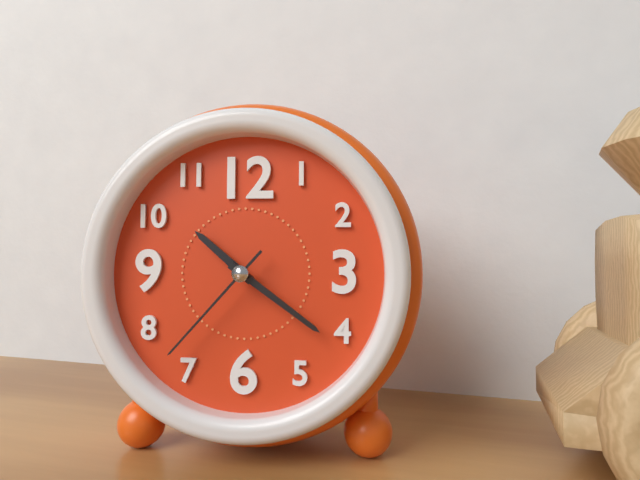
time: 10:21:37
